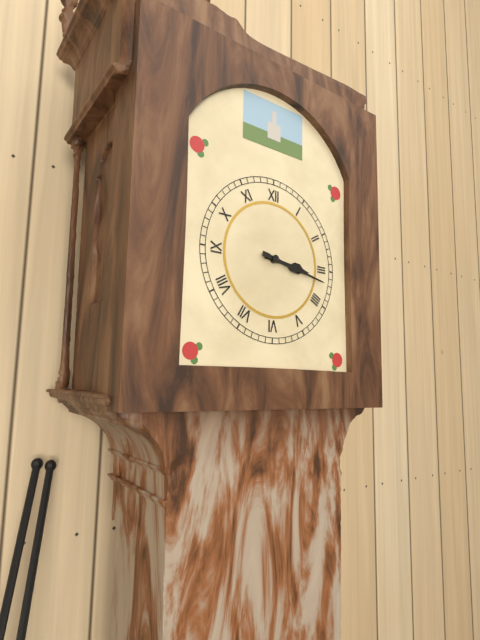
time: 3:17
